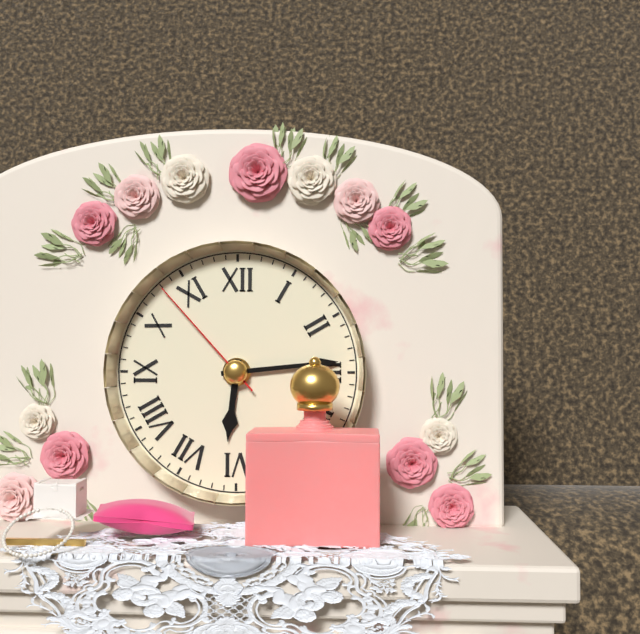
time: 6:14:53
